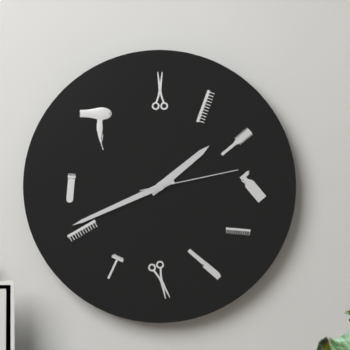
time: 1:41:13
